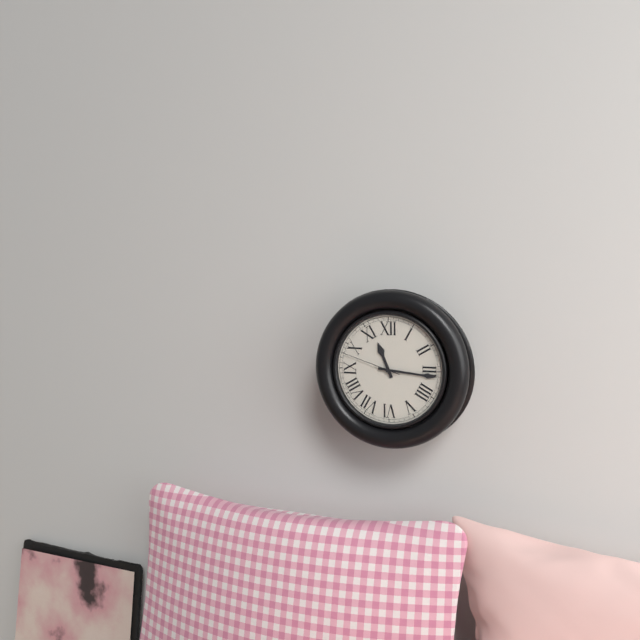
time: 11:16:48
